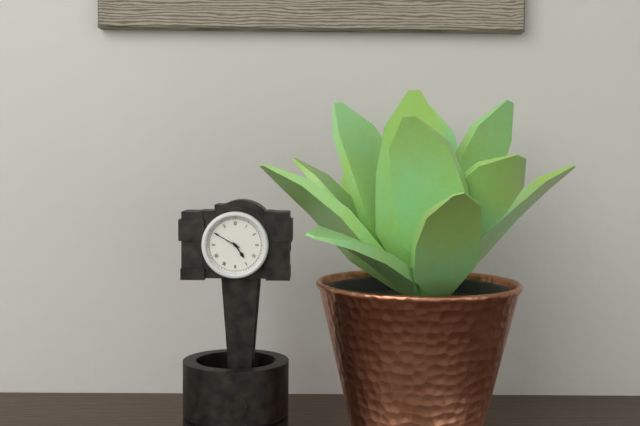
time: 4:50
